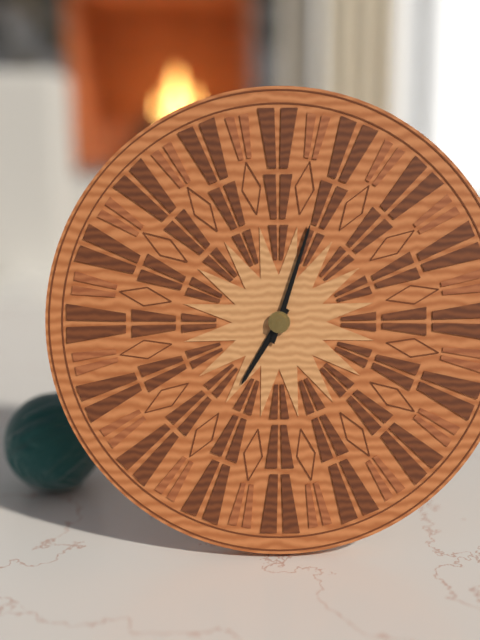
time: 7:03
